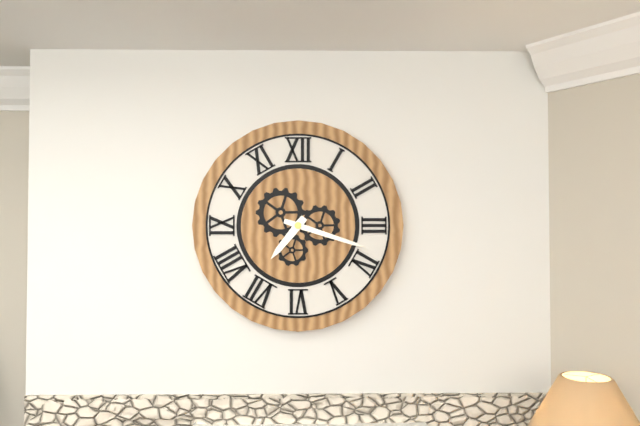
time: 7:18
